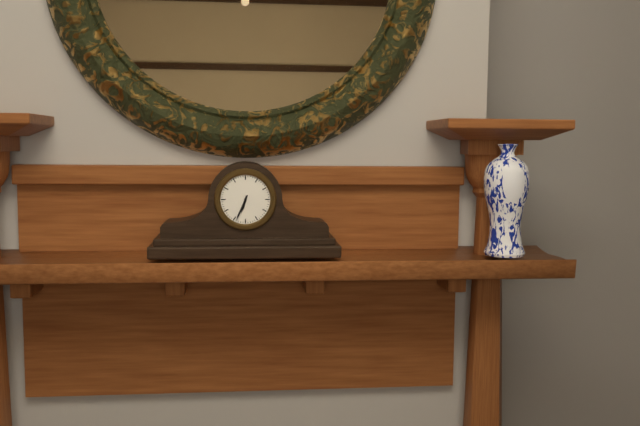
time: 6:34
